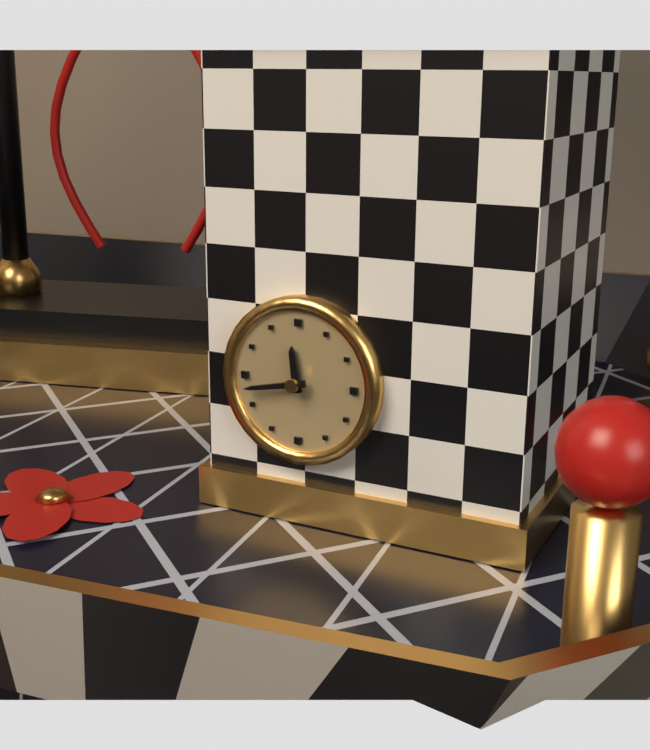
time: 11:43
